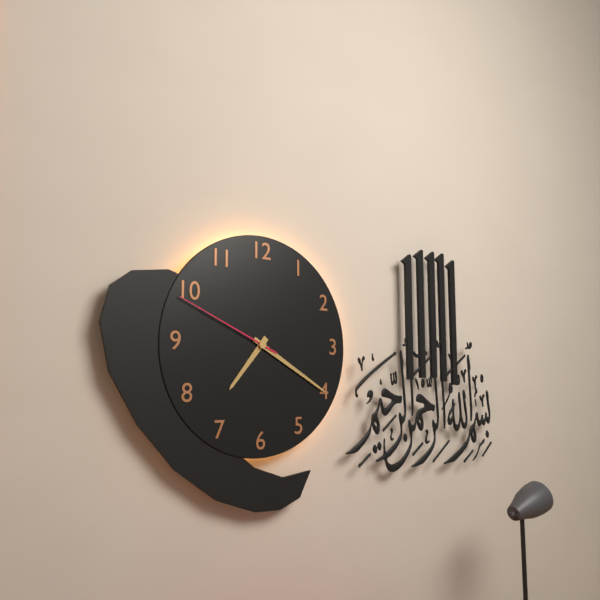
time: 7:20:49
